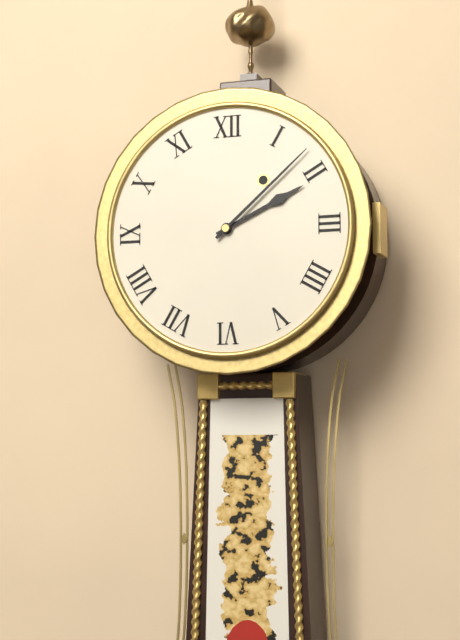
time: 2:08
